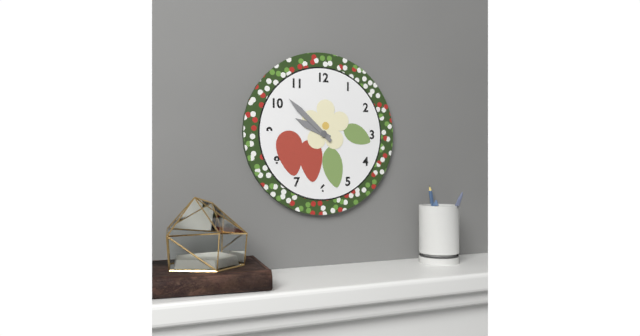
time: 9:52
